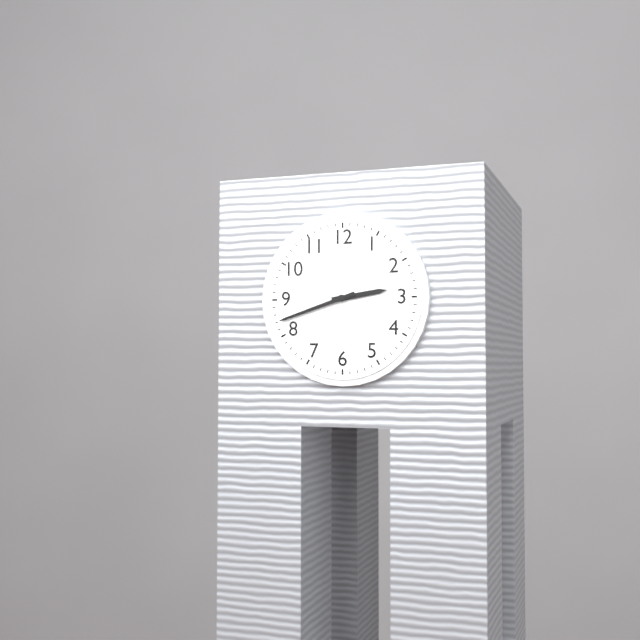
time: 2:42
